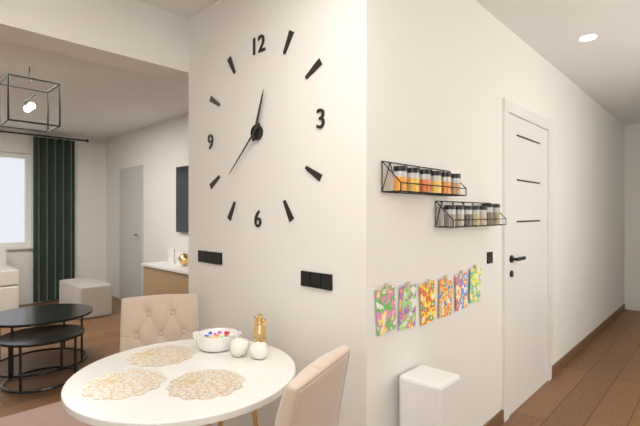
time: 12:38
